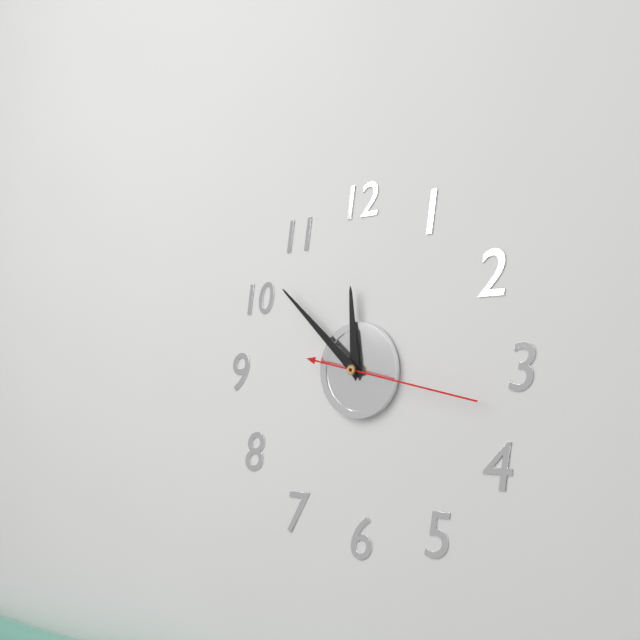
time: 11:52:17
